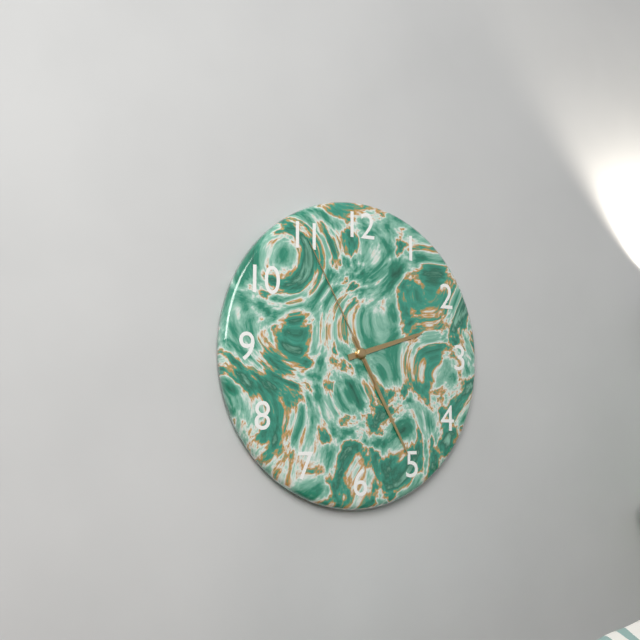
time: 2:25:55
